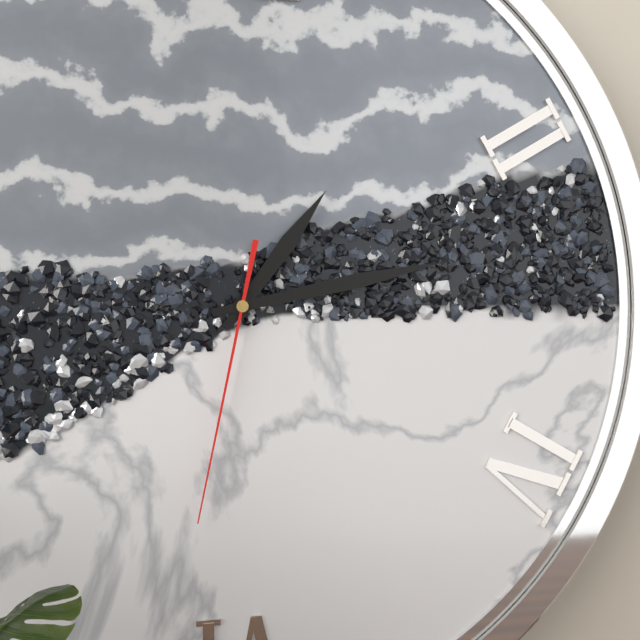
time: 1:13:32
